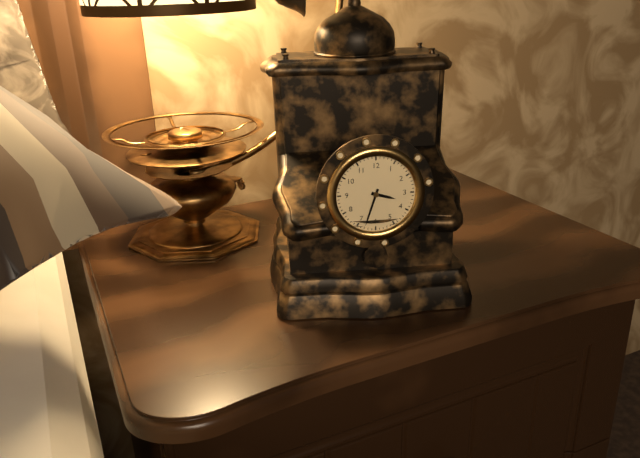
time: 3:33
